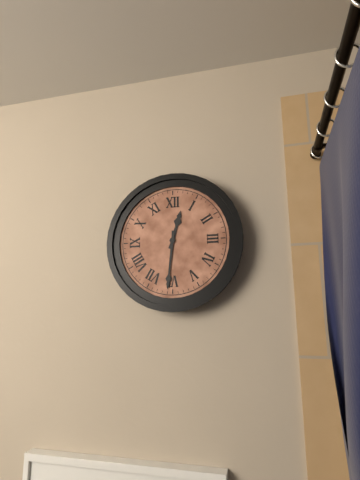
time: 12:31
